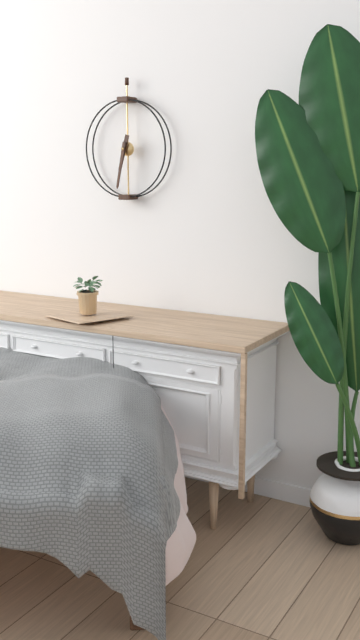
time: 6:32
